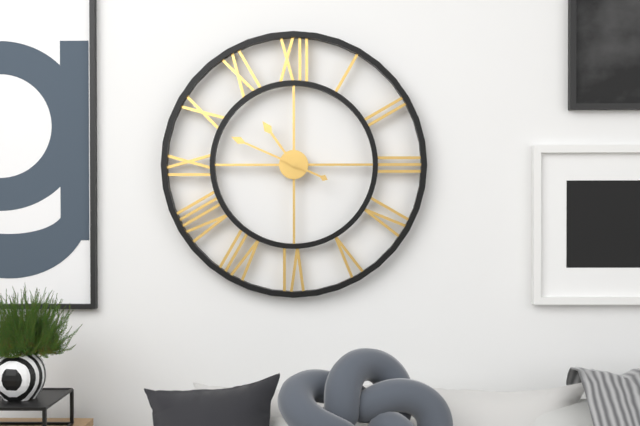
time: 10:49
